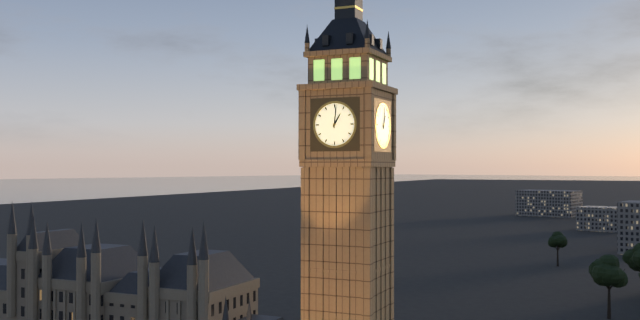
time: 1:01
